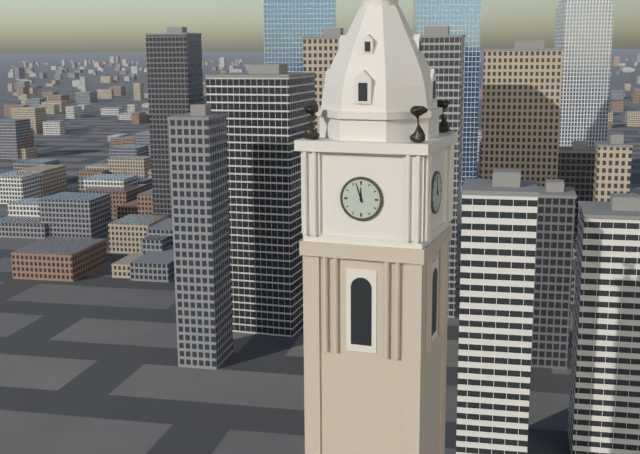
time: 11:57
